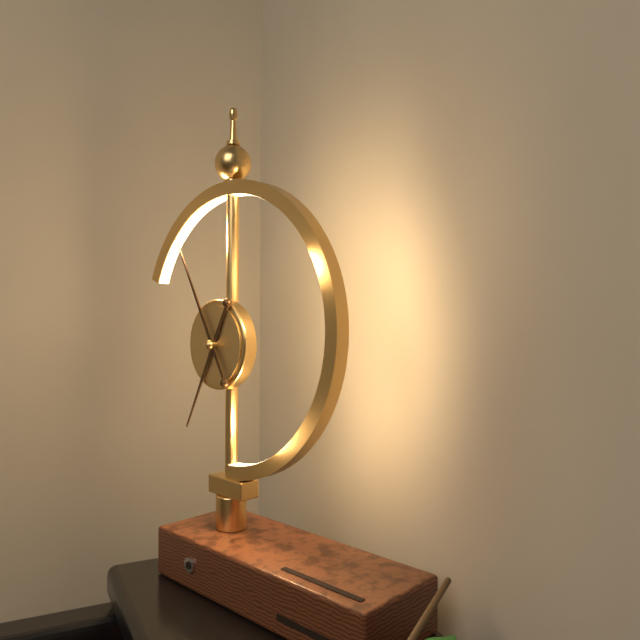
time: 6:55
